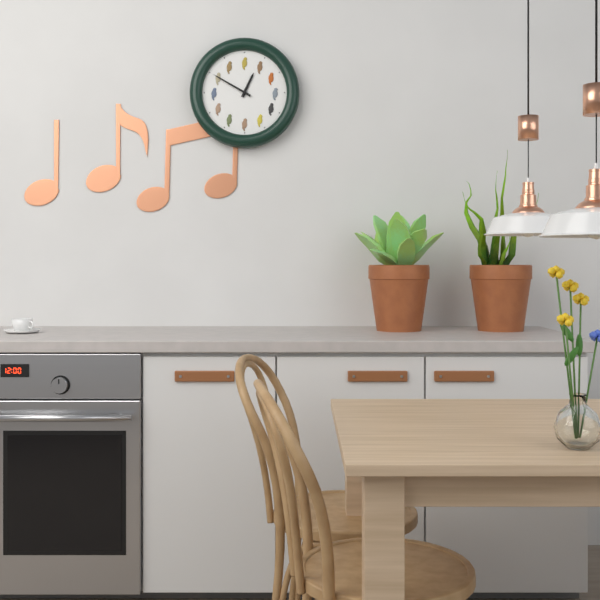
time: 12:50
